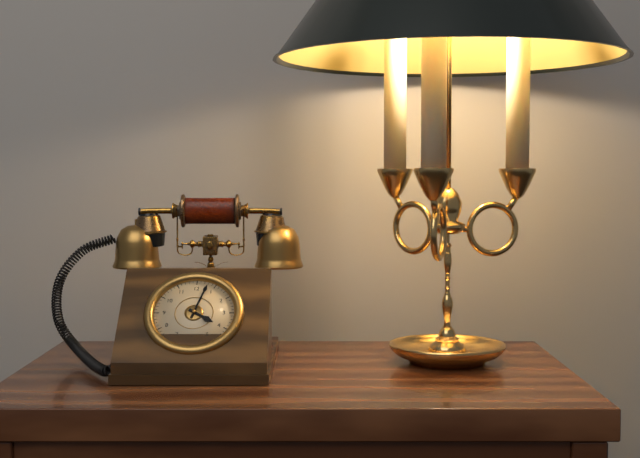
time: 4:03
